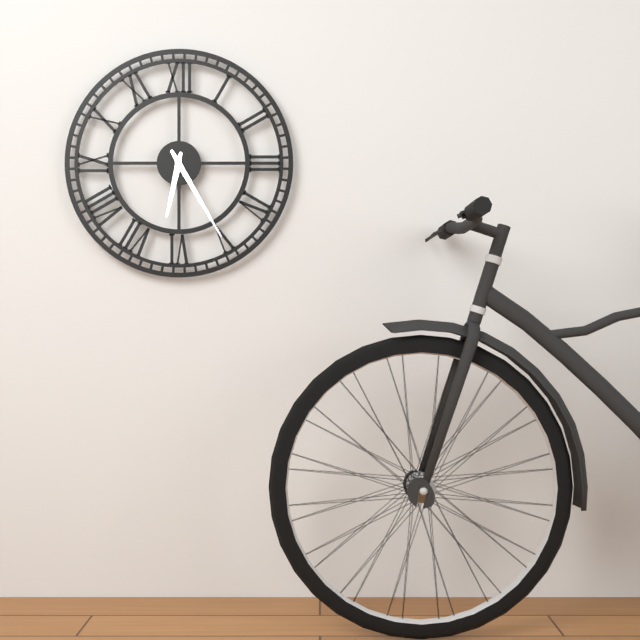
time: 6:25
